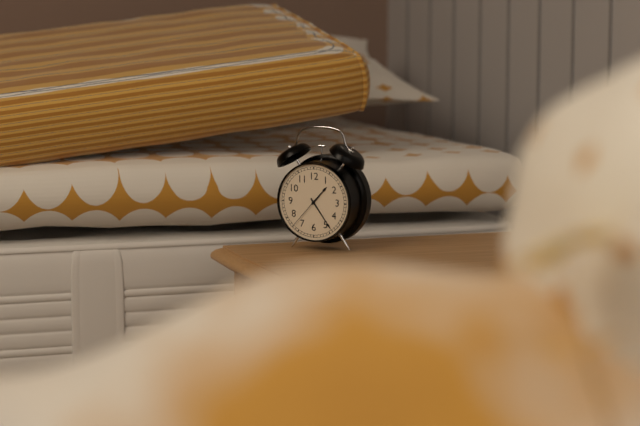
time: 1:24
